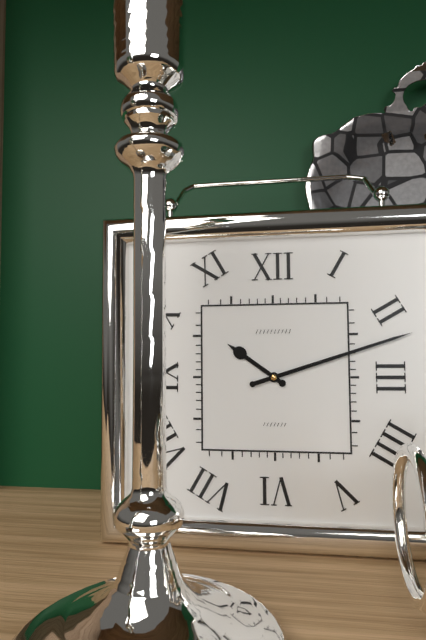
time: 10:12
